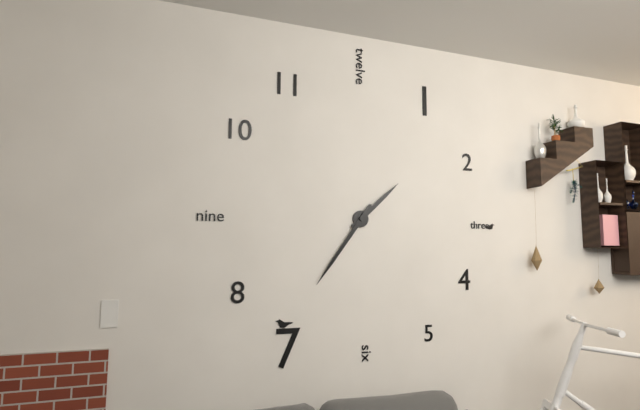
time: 1:36
